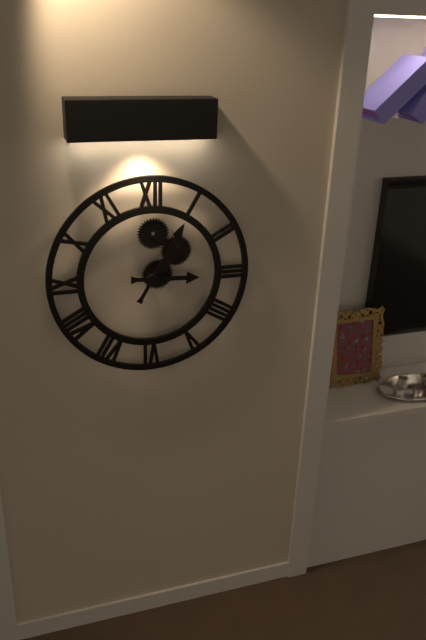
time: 3:05
